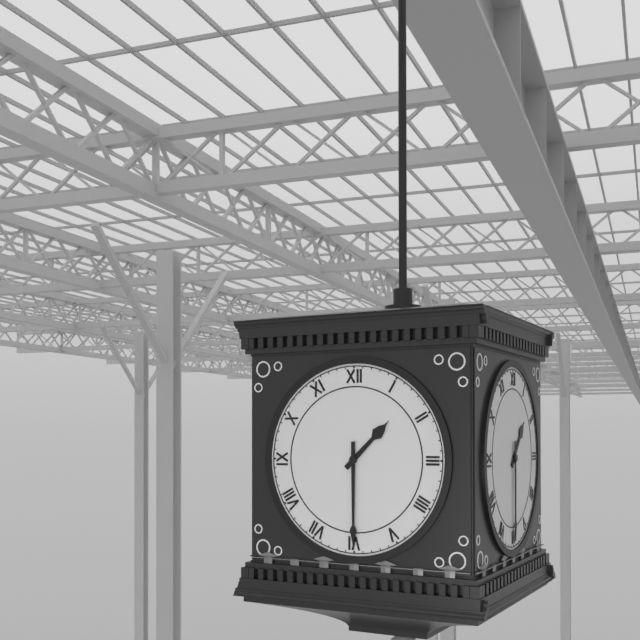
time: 1:30
